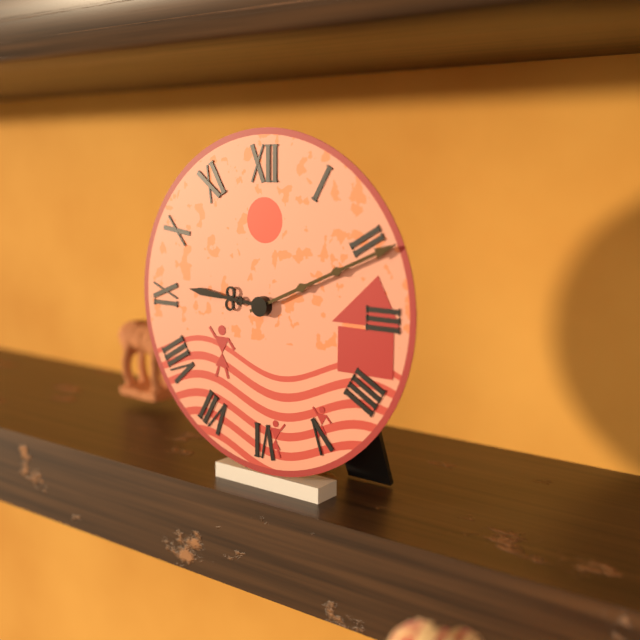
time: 9:11
